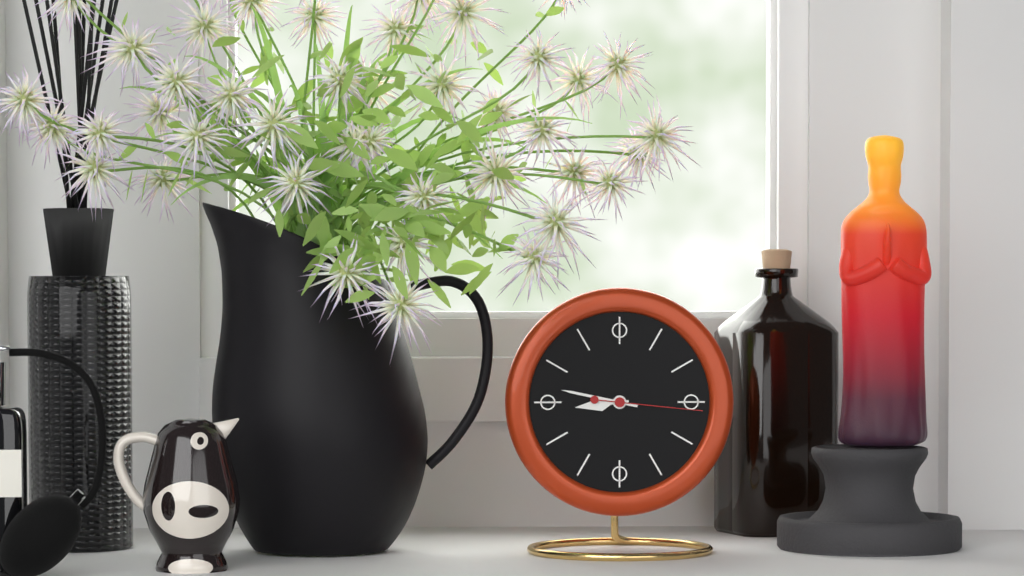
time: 8:47:16
